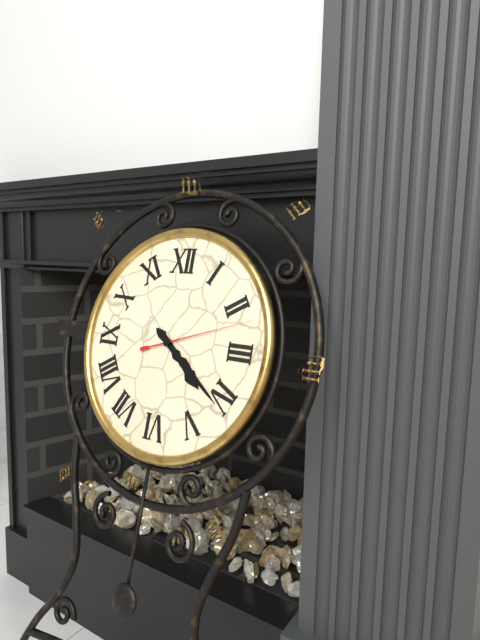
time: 4:21:12
